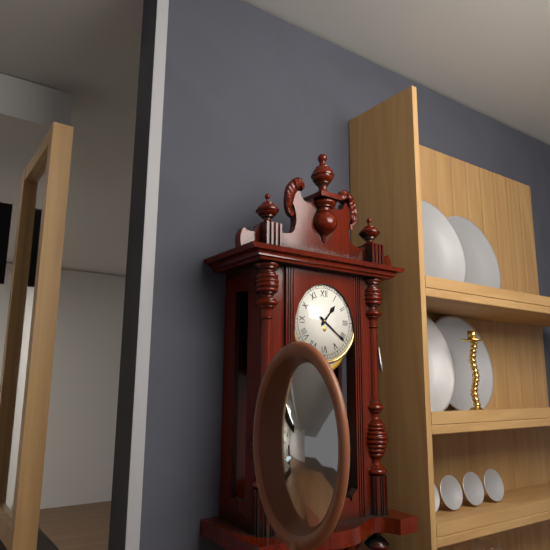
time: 1:21
